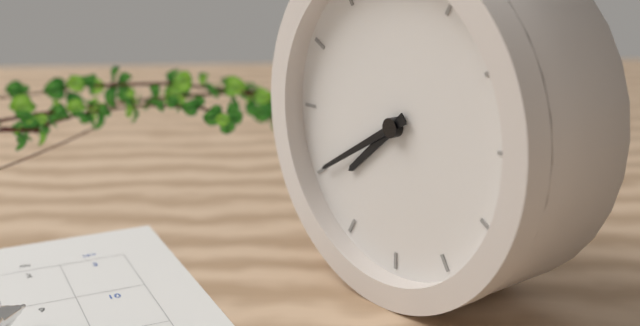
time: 7:40
